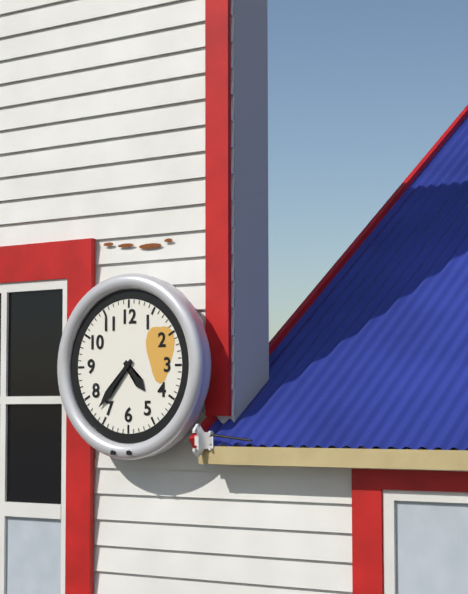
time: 4:37
